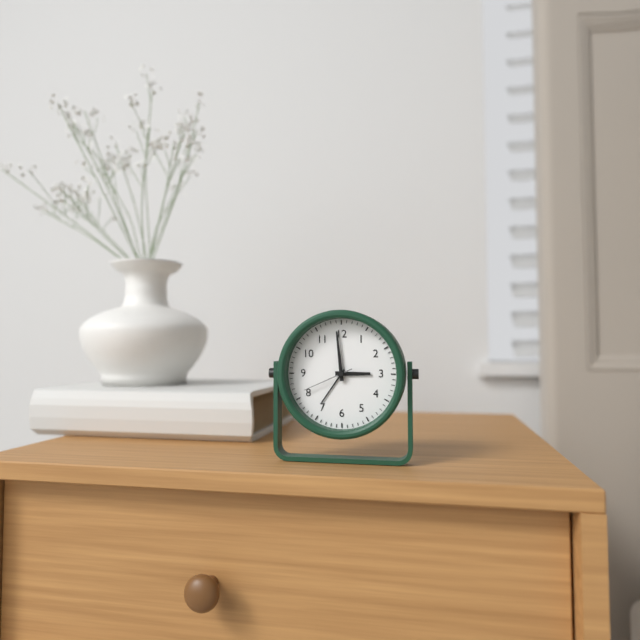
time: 2:59:41
